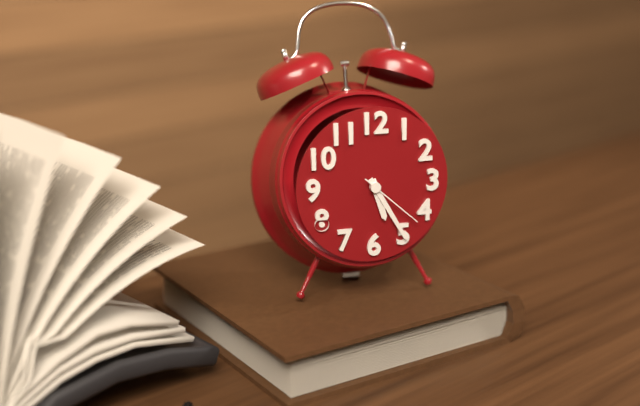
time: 5:25:22
